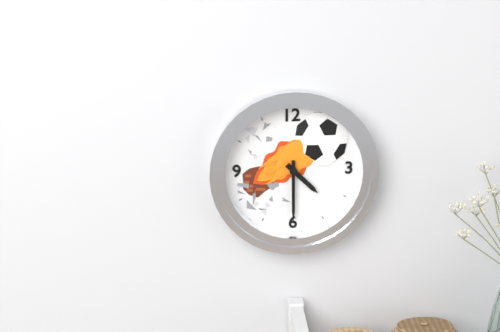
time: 4:30
